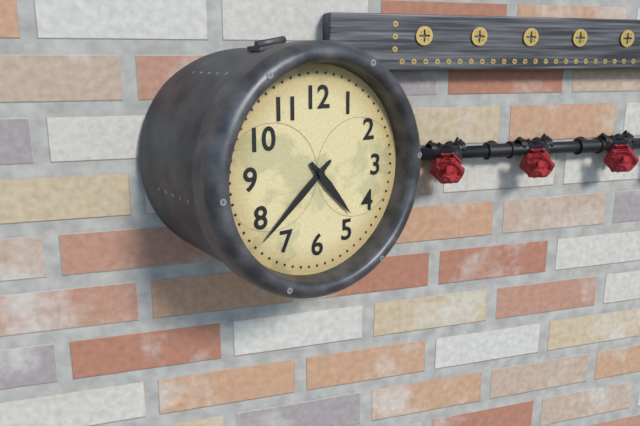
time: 4:38
